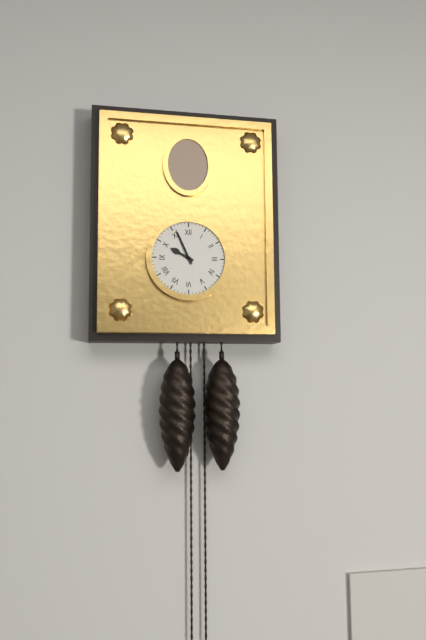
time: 9:56
